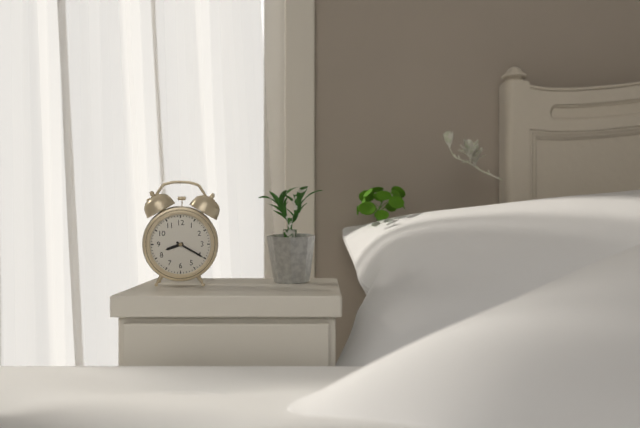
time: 8:20
